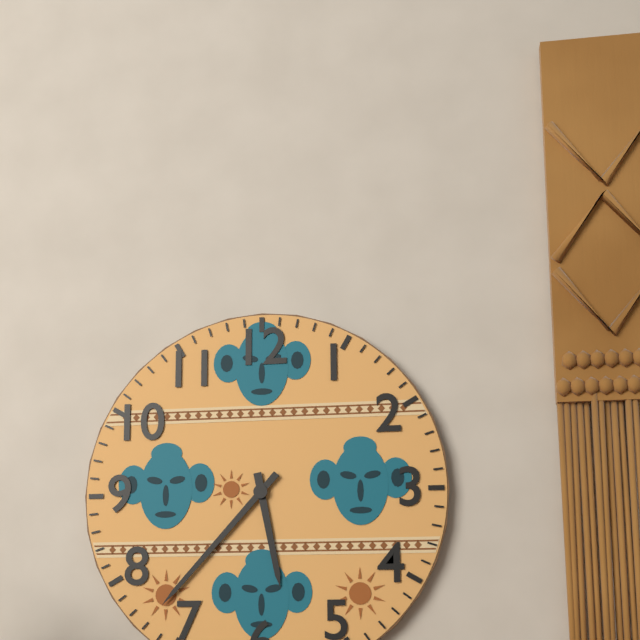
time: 5:37
